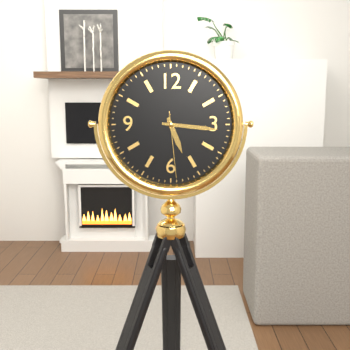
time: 5:16:29
